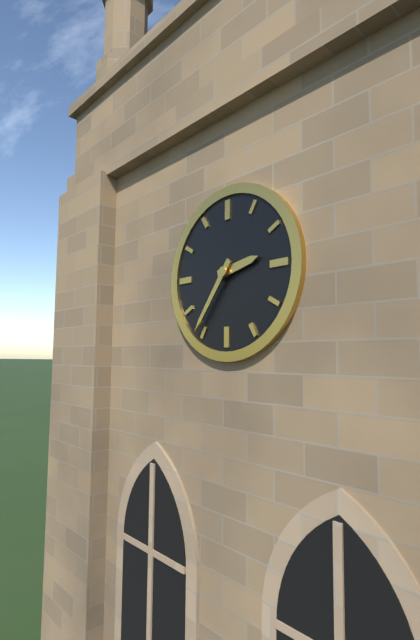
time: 2:36
